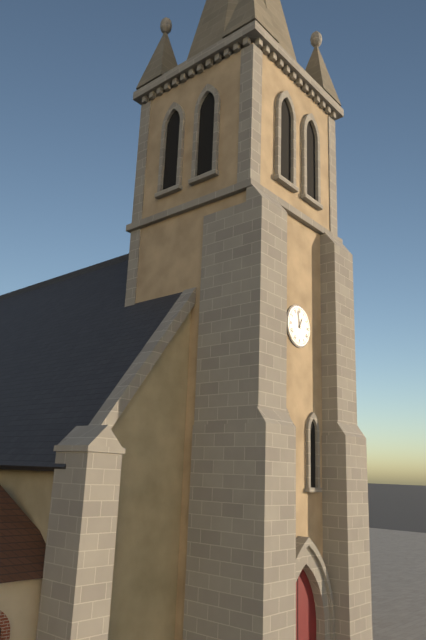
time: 12:58
